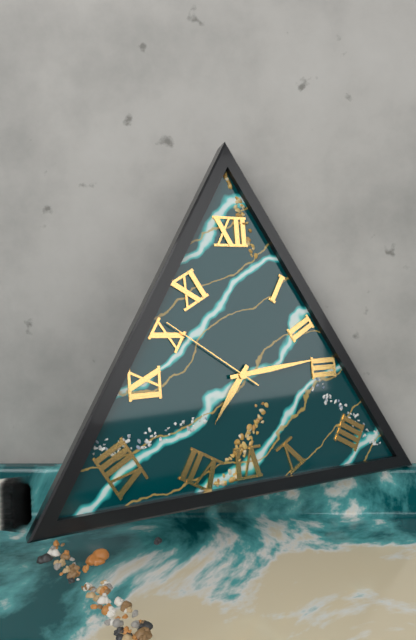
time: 7:14:51
